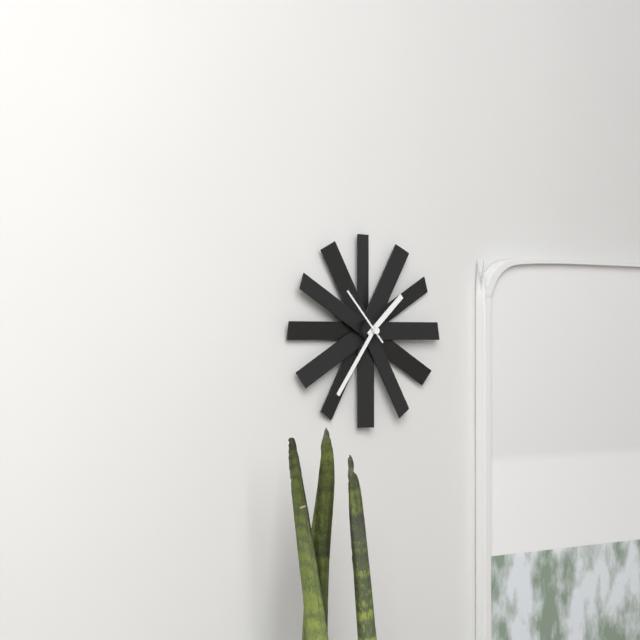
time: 1:36:53
